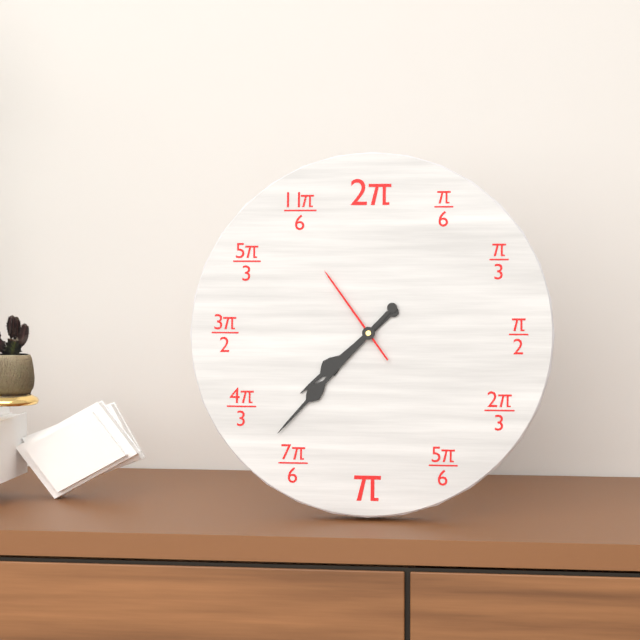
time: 7:37:54
